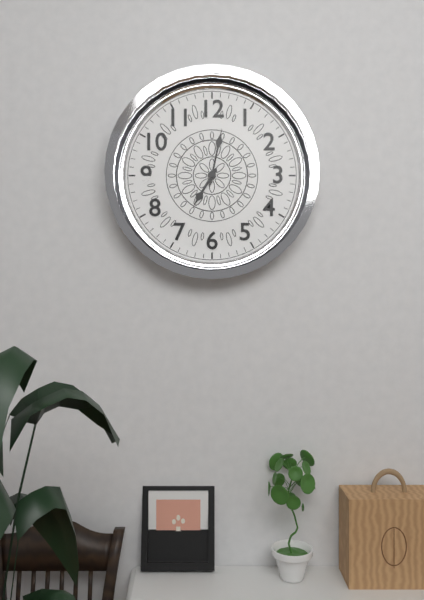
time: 7:02
